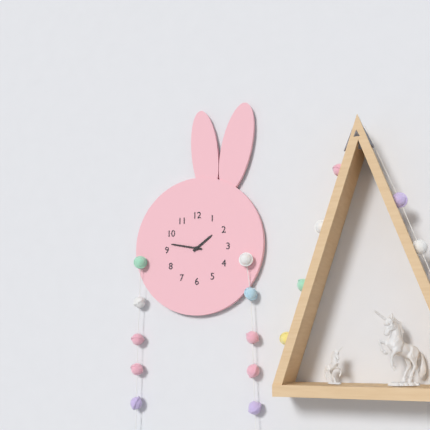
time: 1:47
